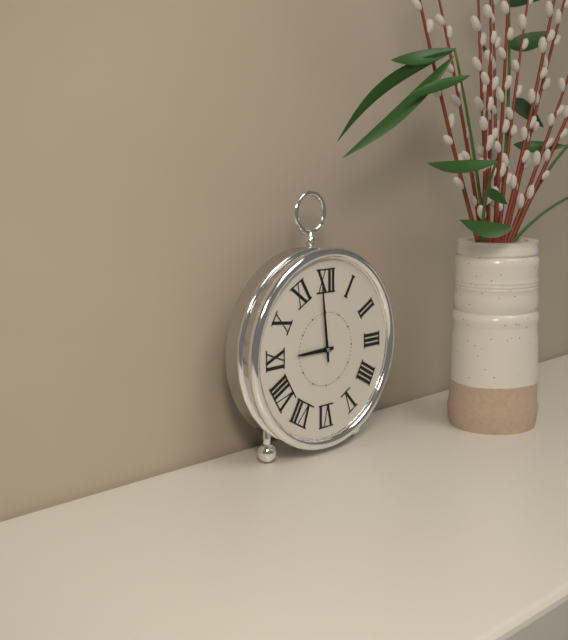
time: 8:59
